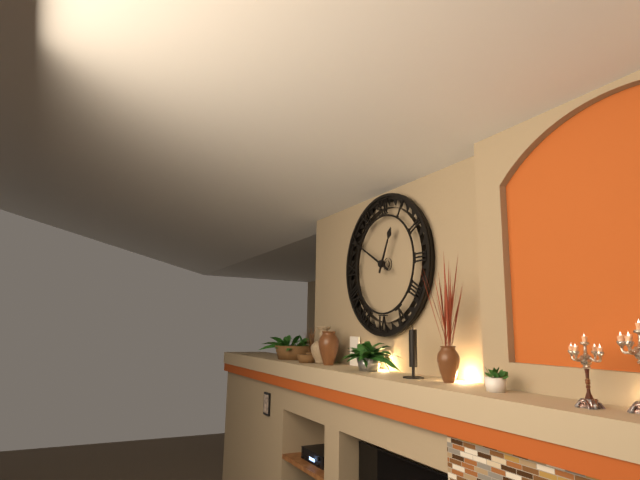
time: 12:50
